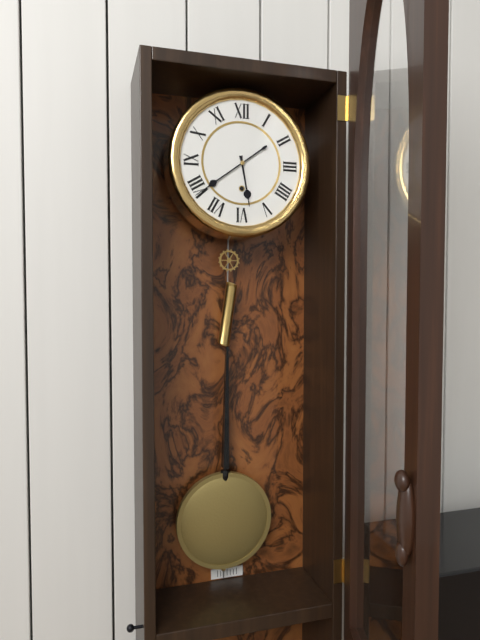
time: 5:39
